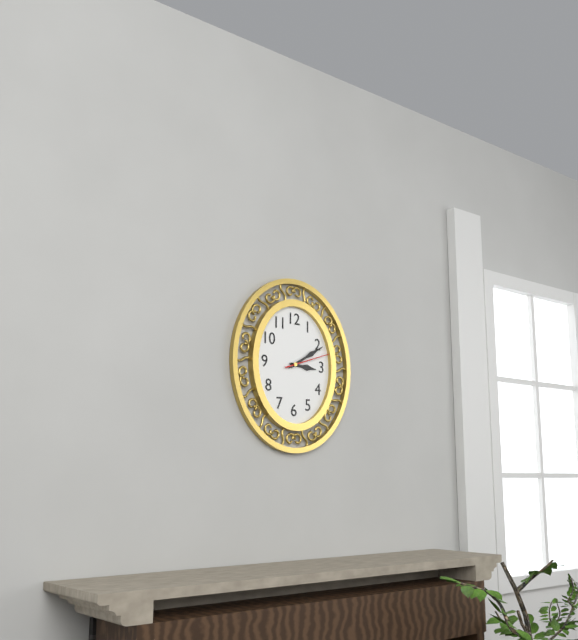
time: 3:10:12
